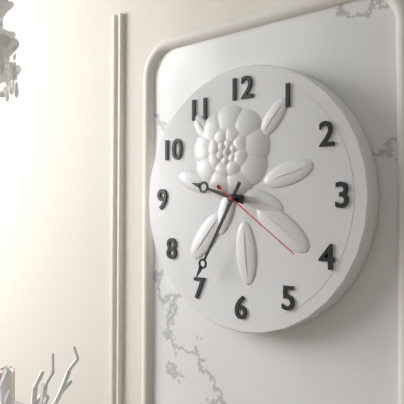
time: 9:35:21
